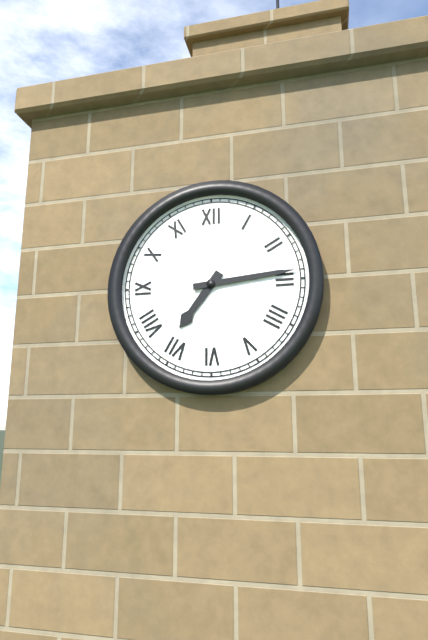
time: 7:14
